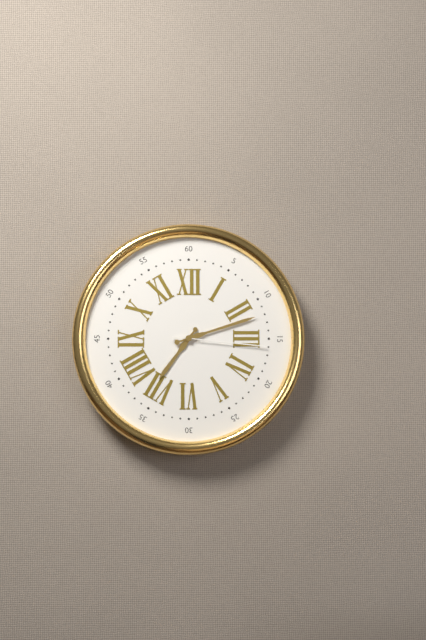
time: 7:12:16
